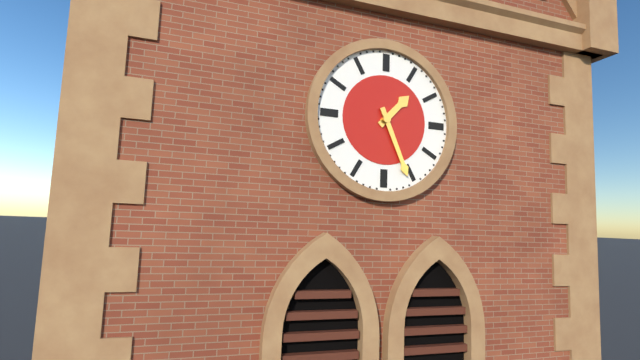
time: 1:26
